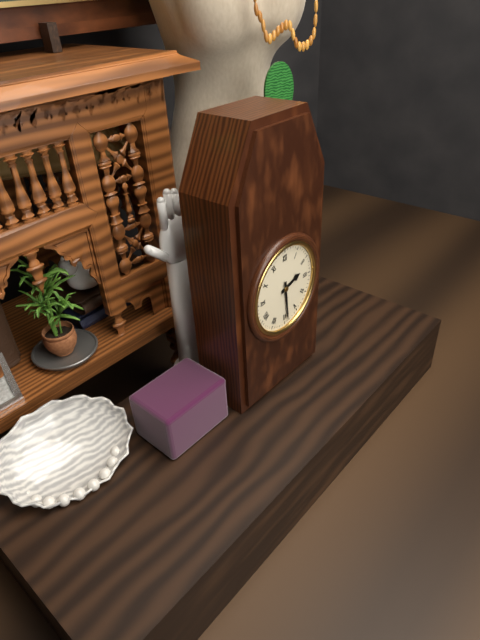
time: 2:29
